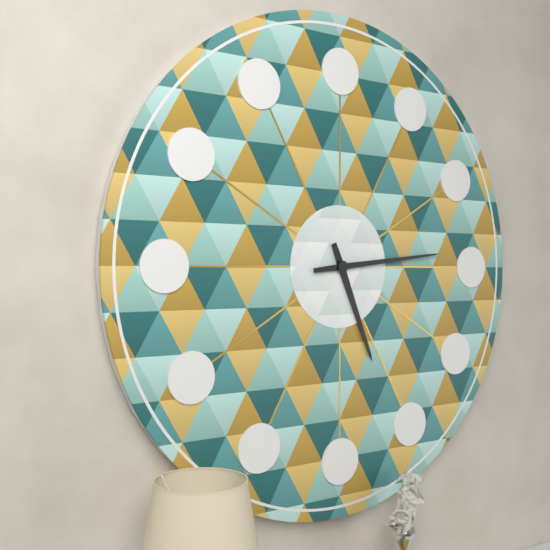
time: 5:14
